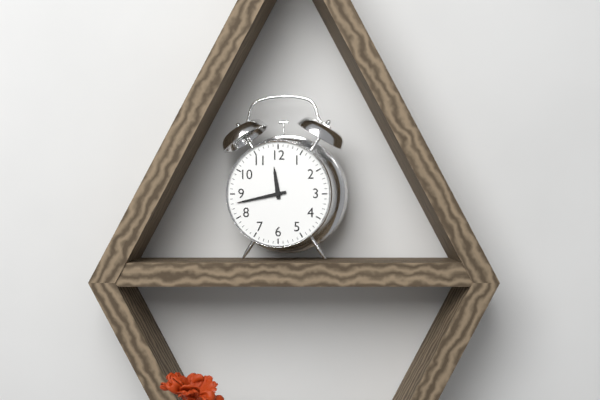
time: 11:43
